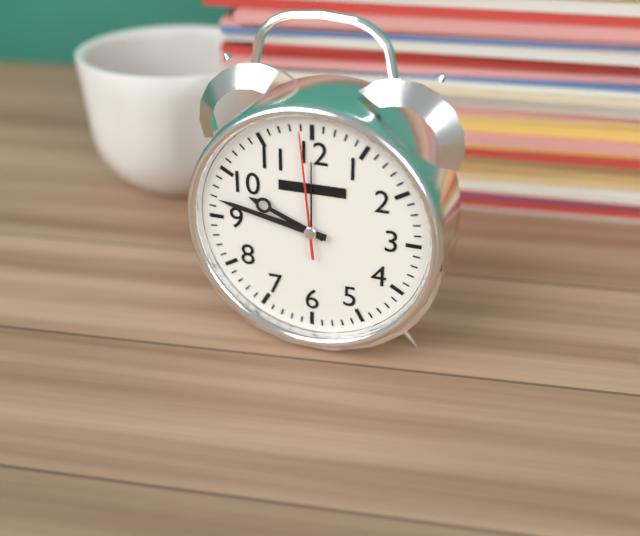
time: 9:47:59
